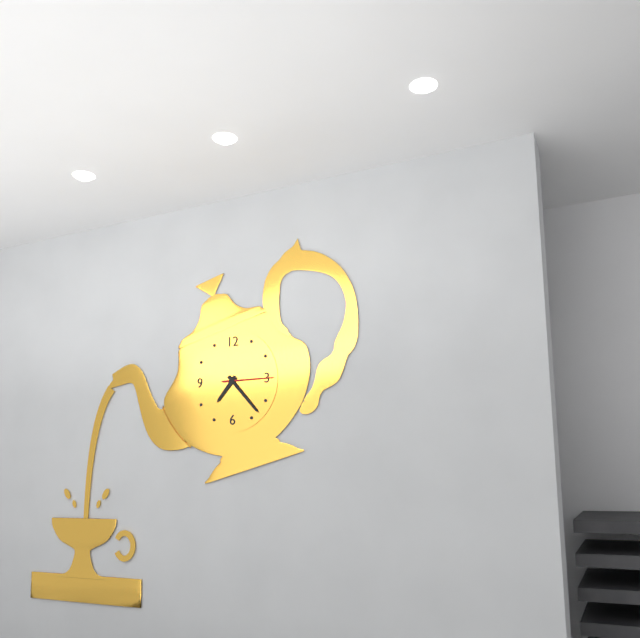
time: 7:23:15
